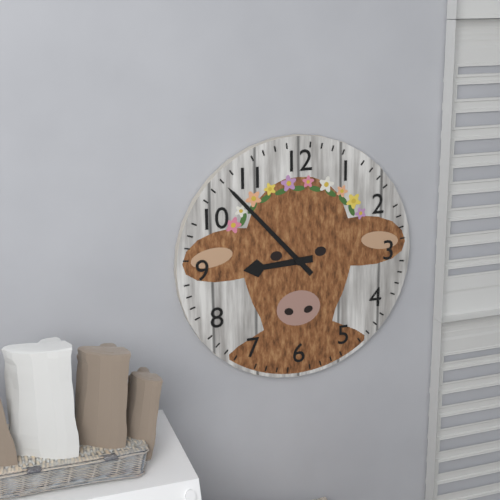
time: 8:53
